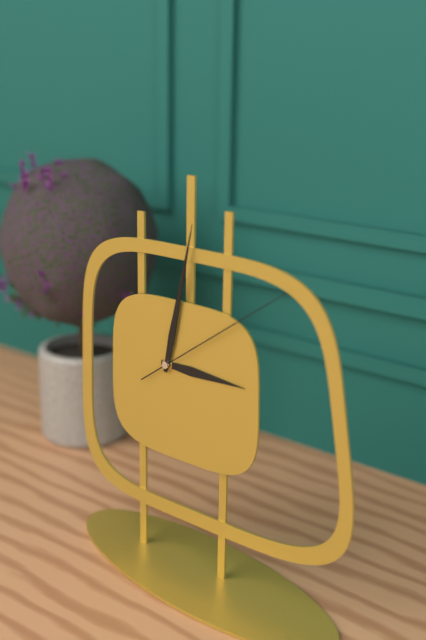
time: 3:02:09
